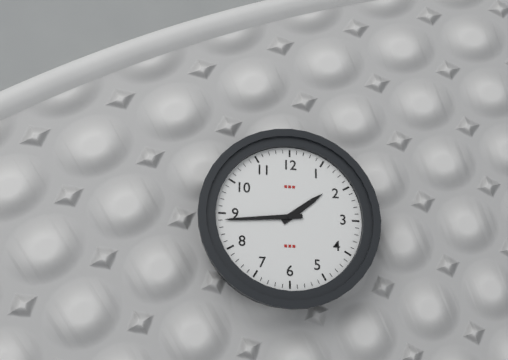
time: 1:44
